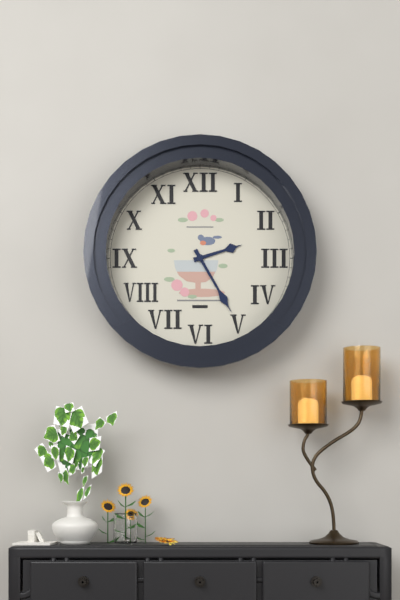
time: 2:25
